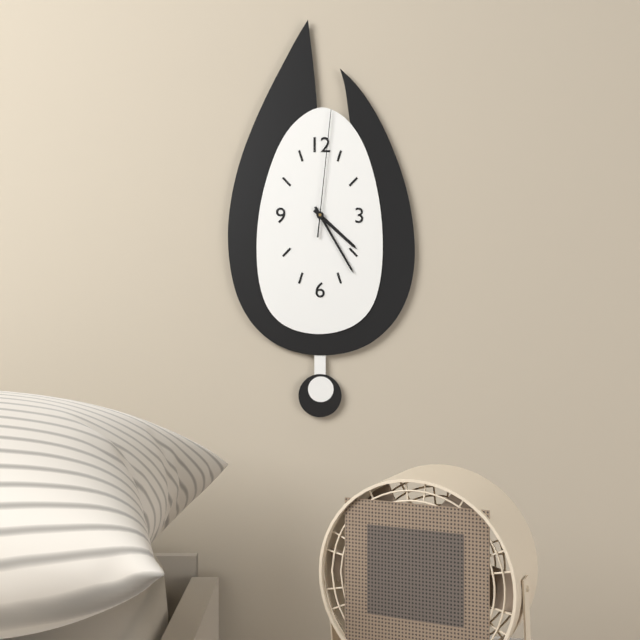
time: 4:25:01
